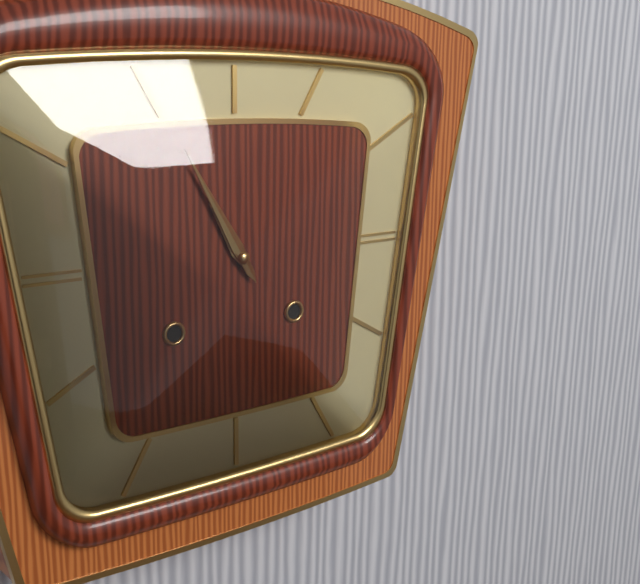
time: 10:55
